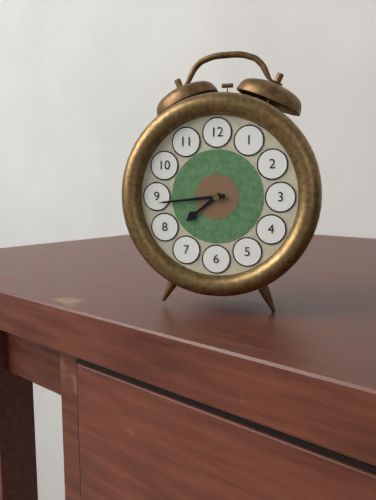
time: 7:44
